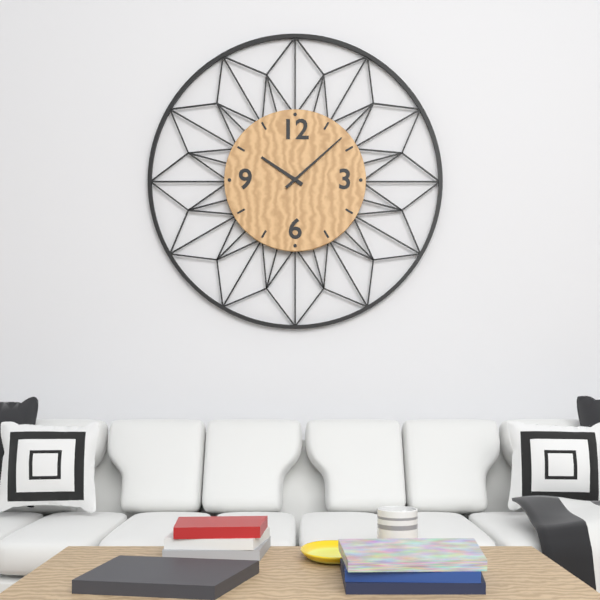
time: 10:08
